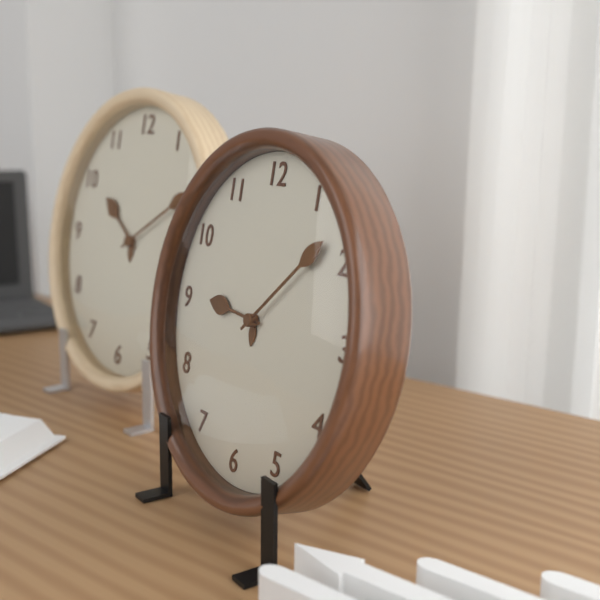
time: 9:08
